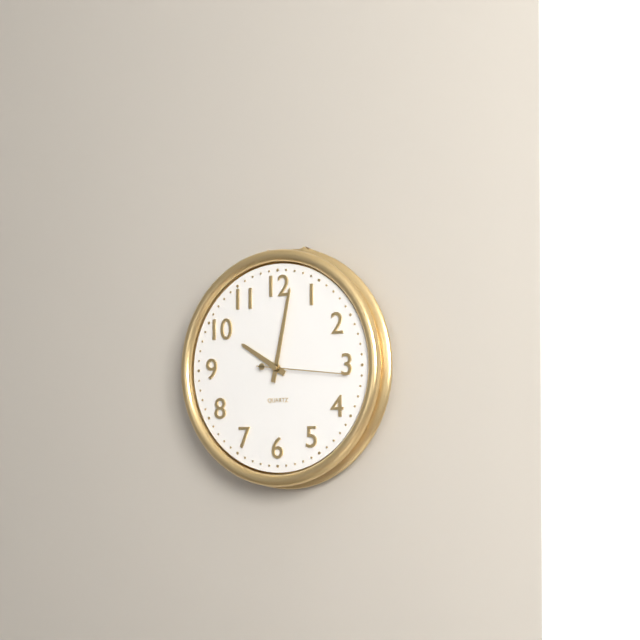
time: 10:02:16
